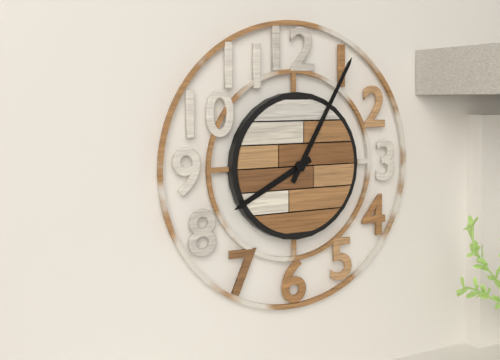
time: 8:05
